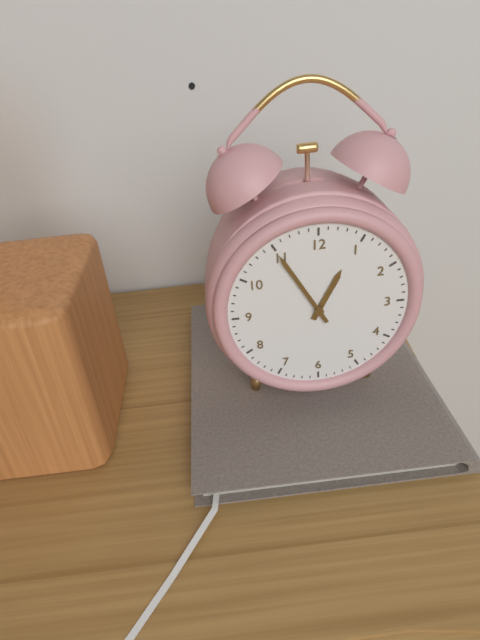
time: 12:55
